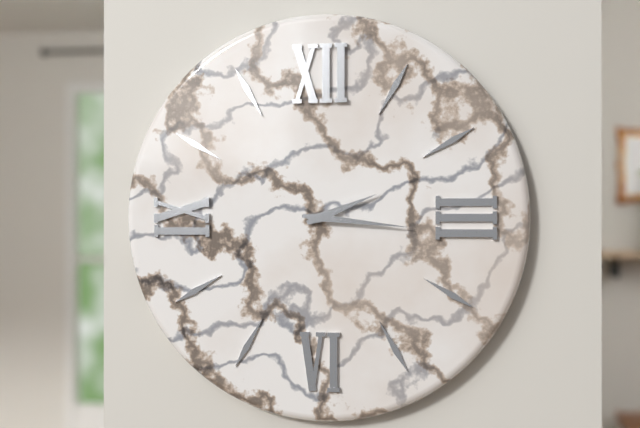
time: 2:16
